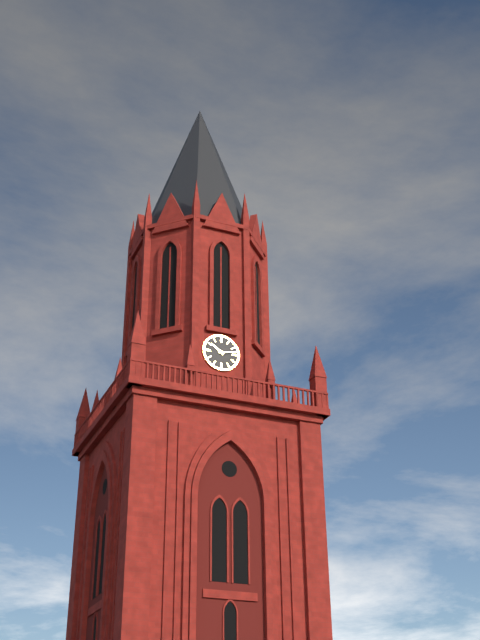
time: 10:13
